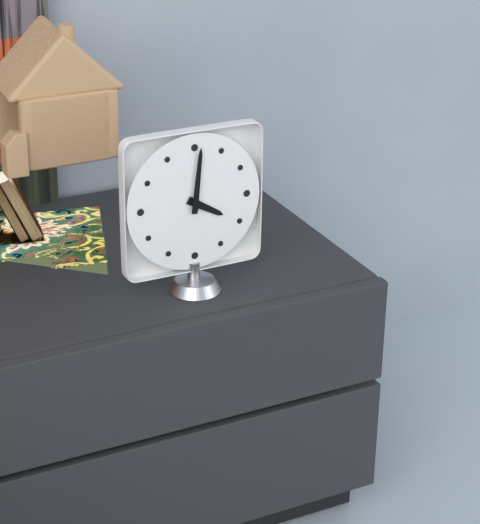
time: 4:01
